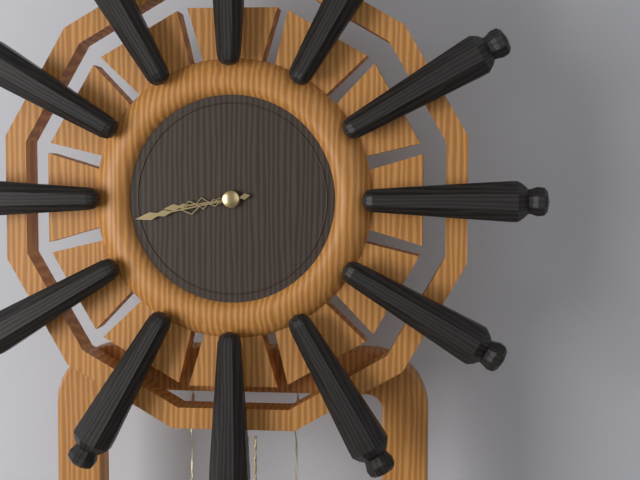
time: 8:43
